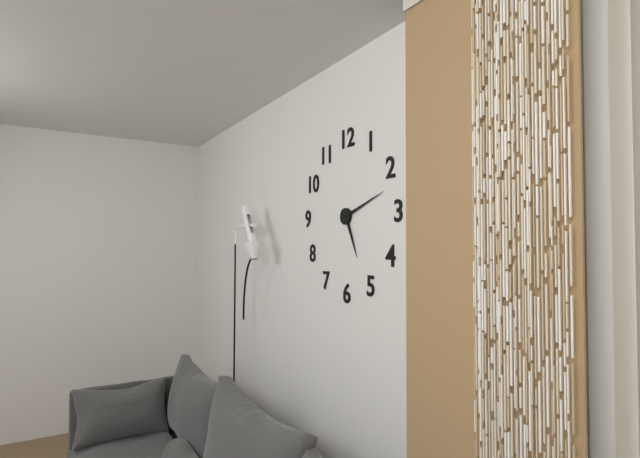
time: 5:12
